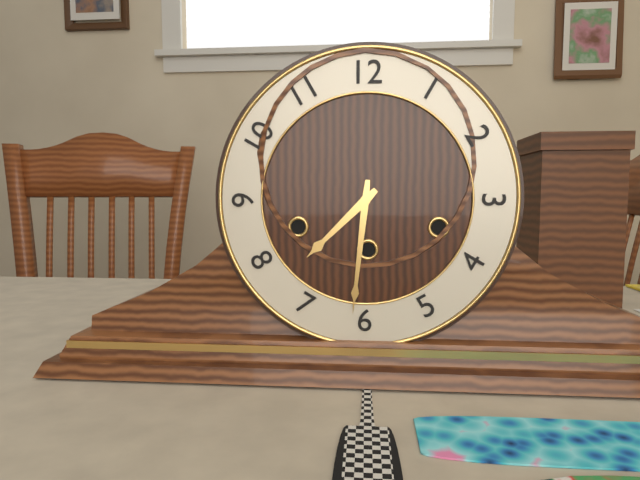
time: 7:31
